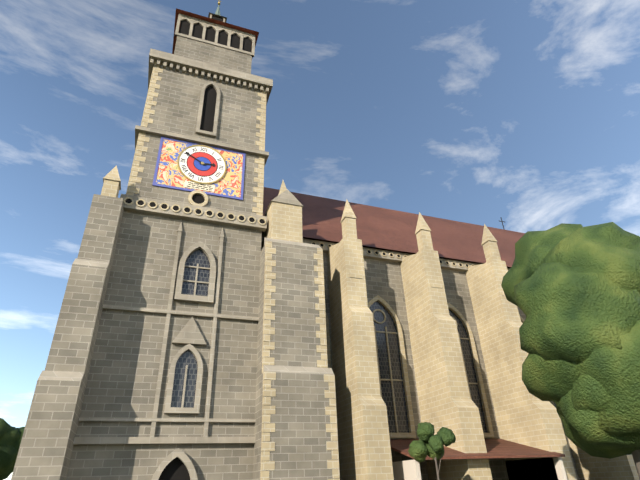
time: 2:50
